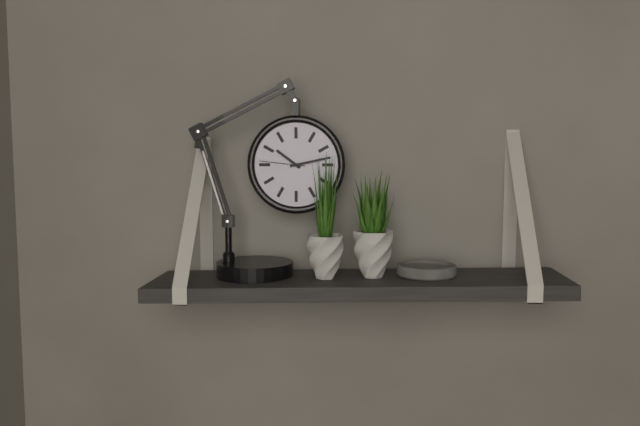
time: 10:13
